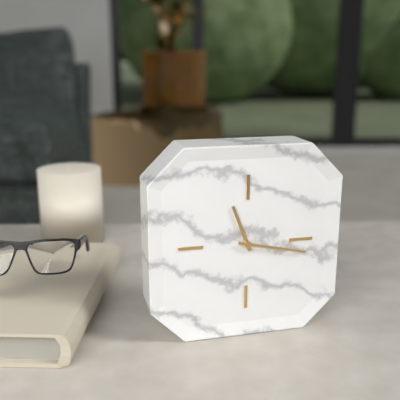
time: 11:17
